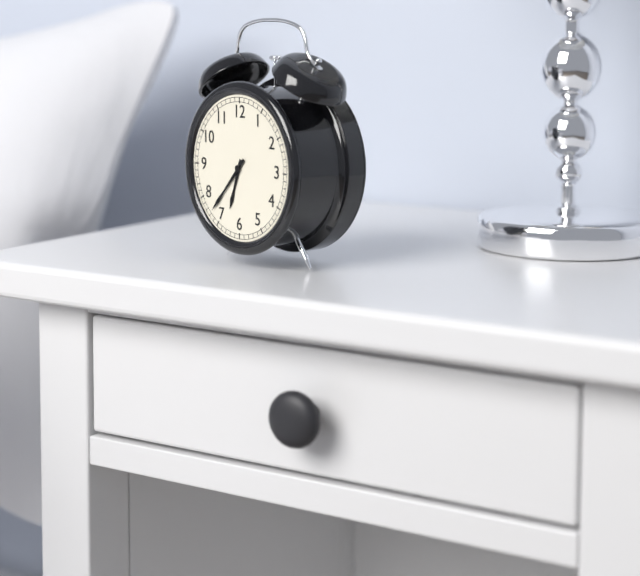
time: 6:37
